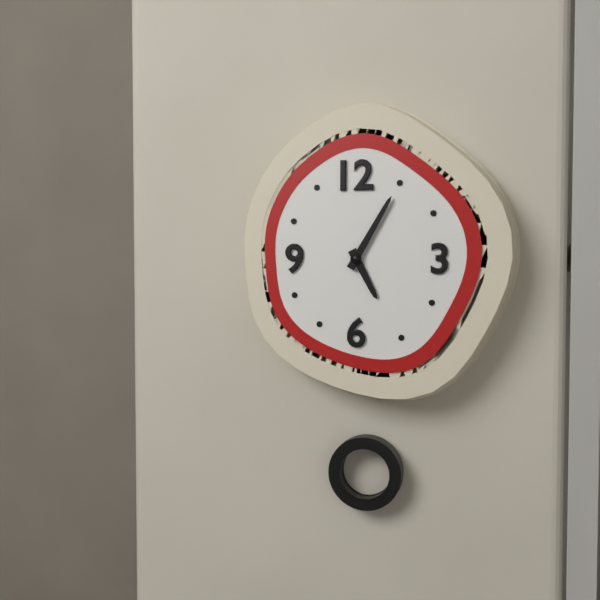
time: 5:05
